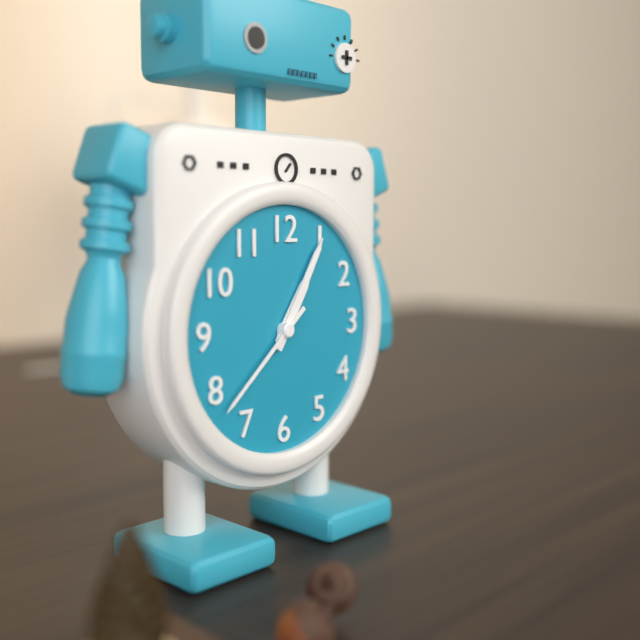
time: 1:05:38
